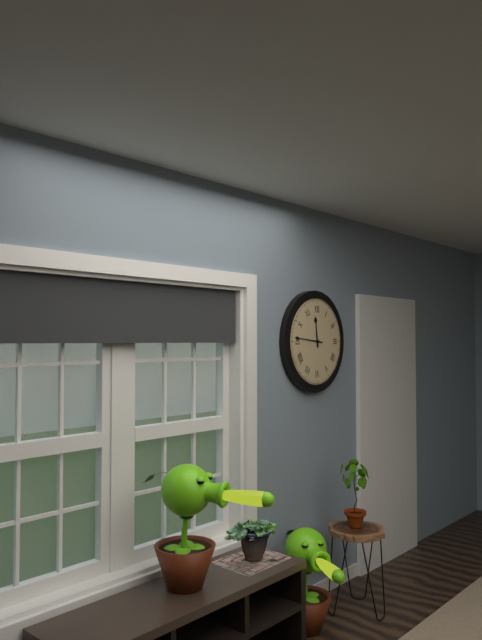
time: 11:46
